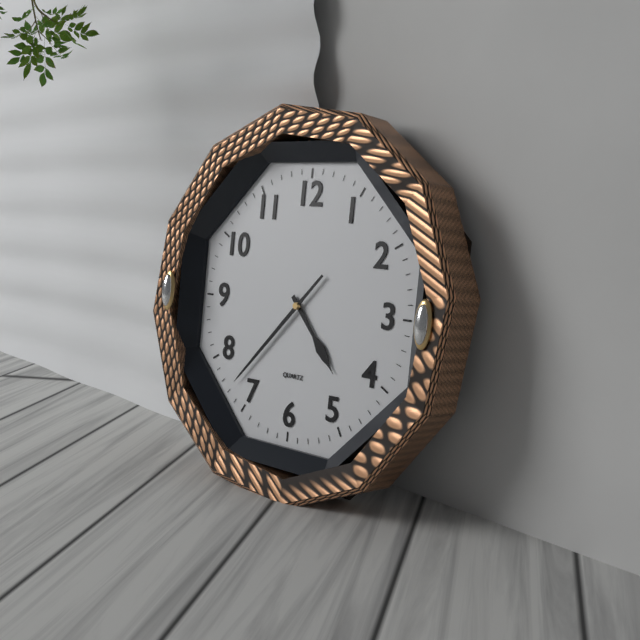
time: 4:37
